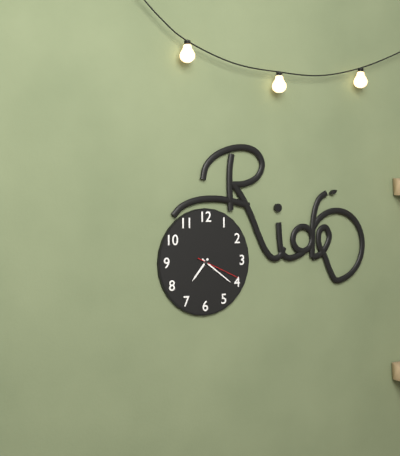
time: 7:21
